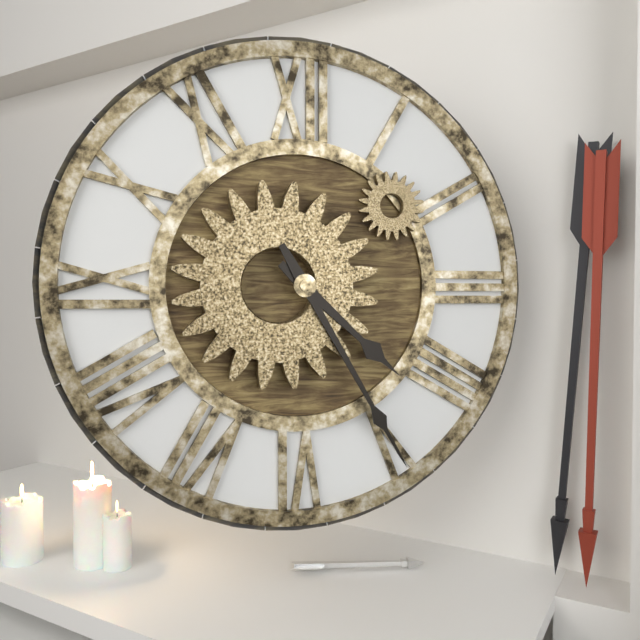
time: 4:25
